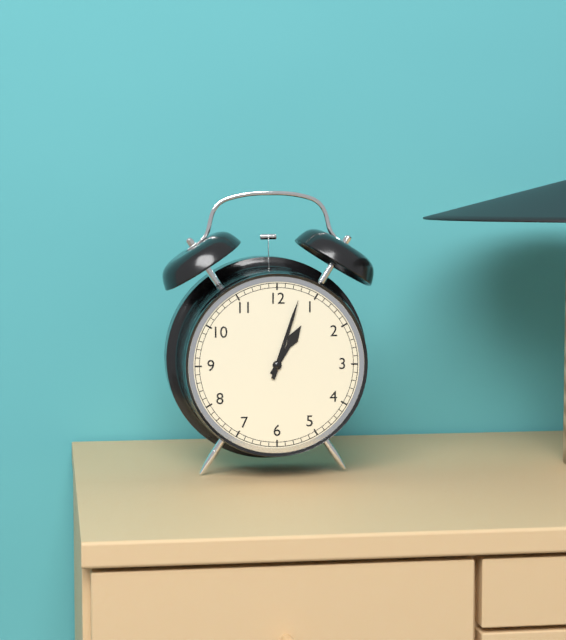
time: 1:03
